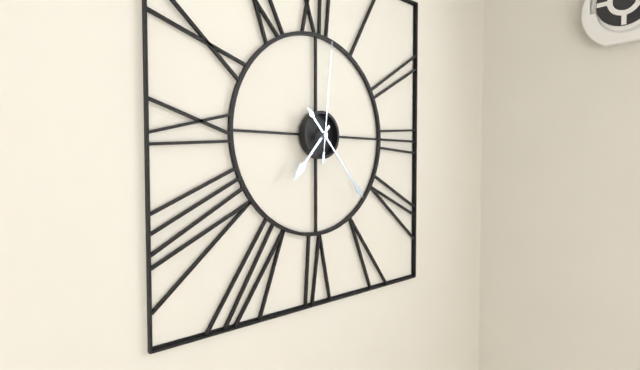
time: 7:23:01
